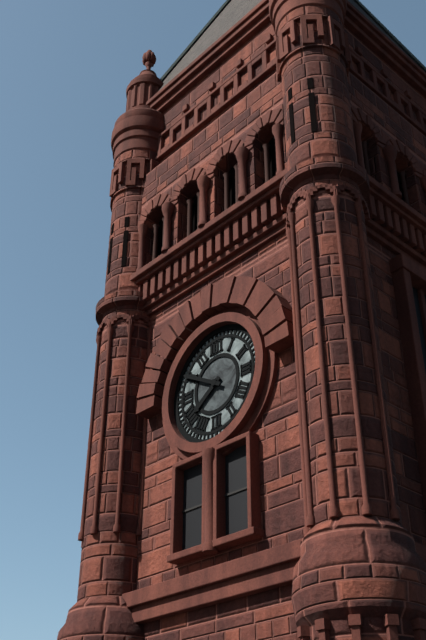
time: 7:50
